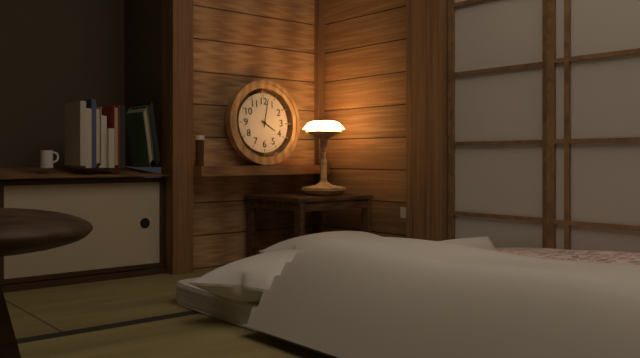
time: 4:02
